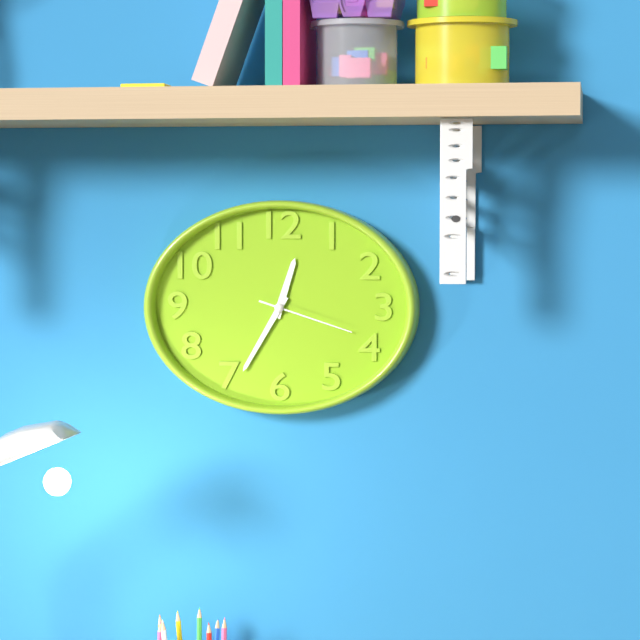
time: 12:35:18
